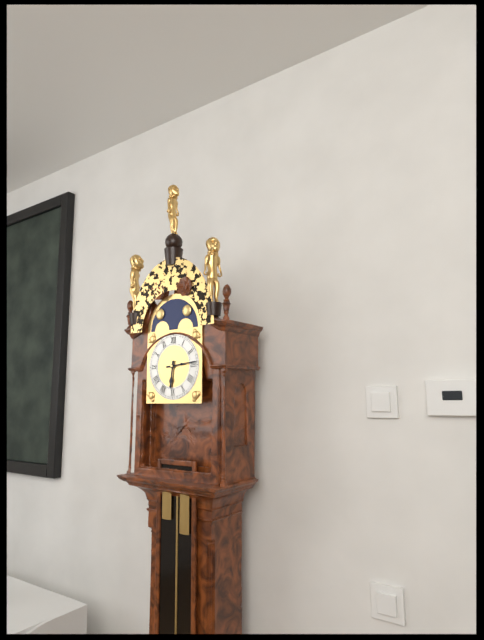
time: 6:14
